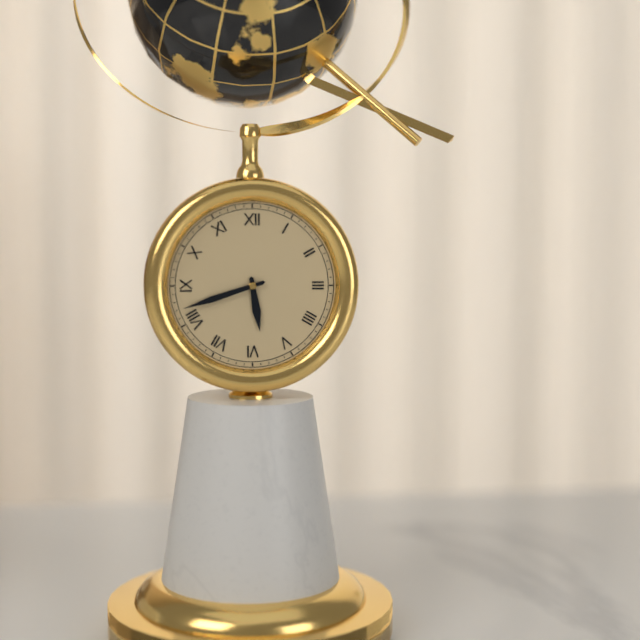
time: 5:42
